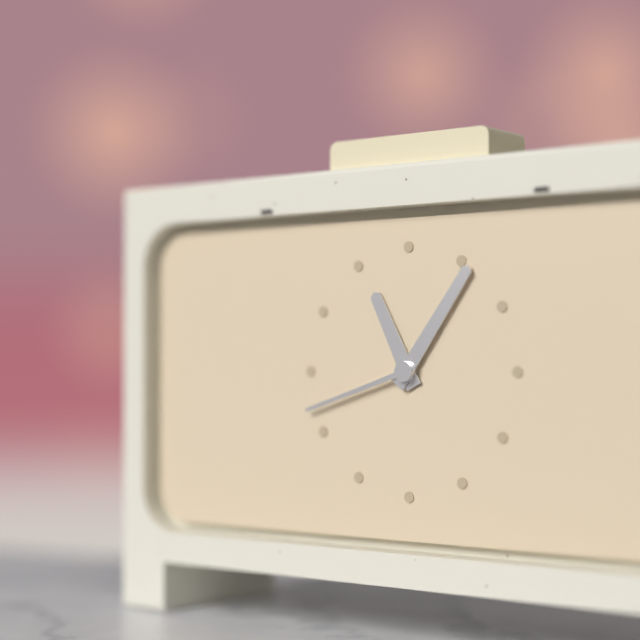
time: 11:06:42
